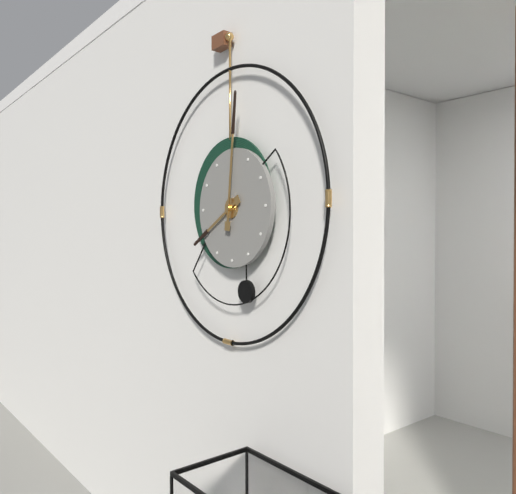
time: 8:01
